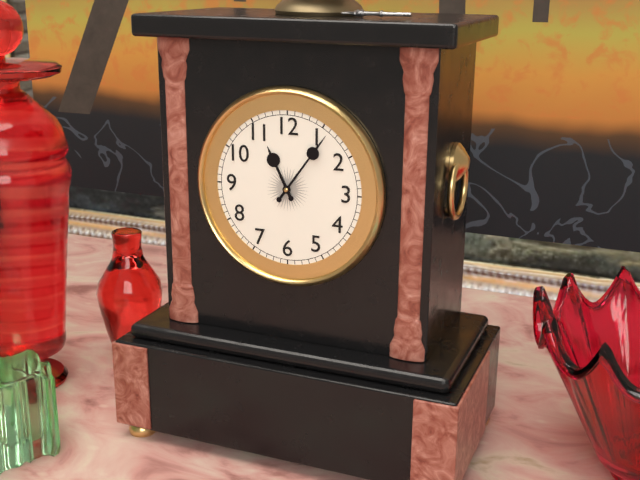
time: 11:06
